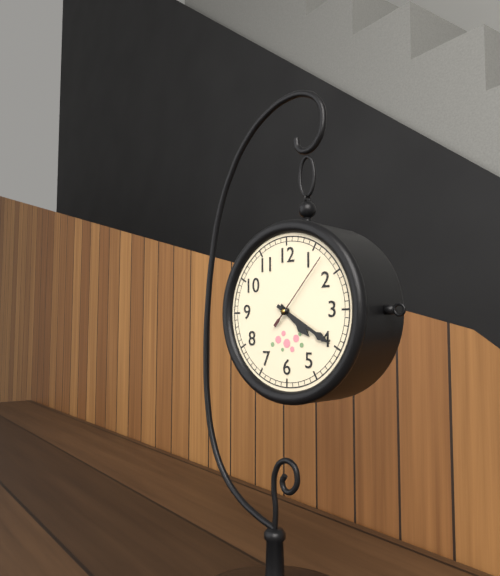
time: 4:20:07
